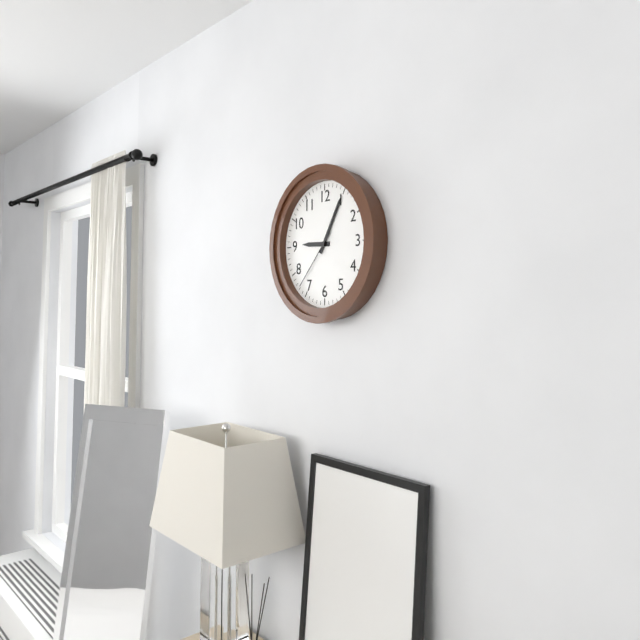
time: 9:05:37
